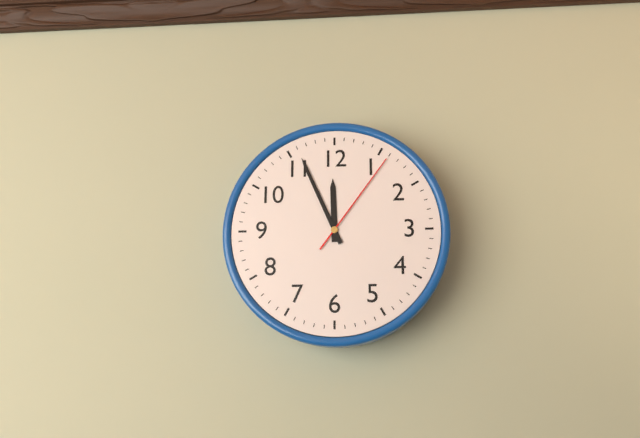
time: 11:56:06
